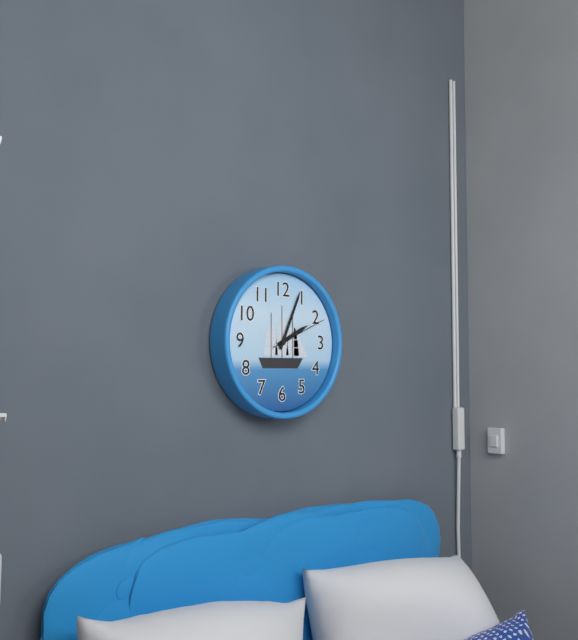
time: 2:04:11
